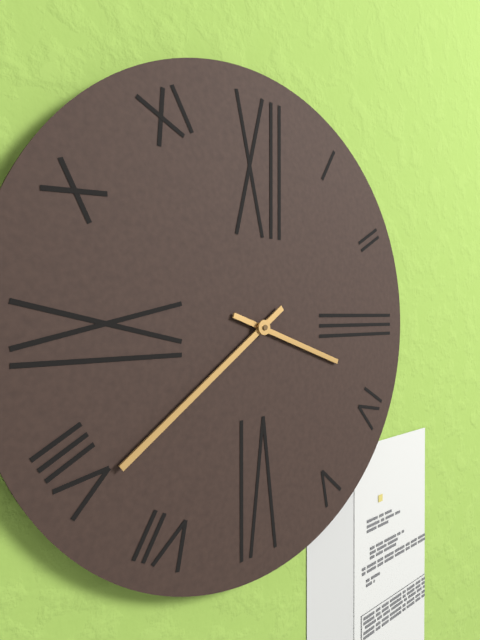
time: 3:39
